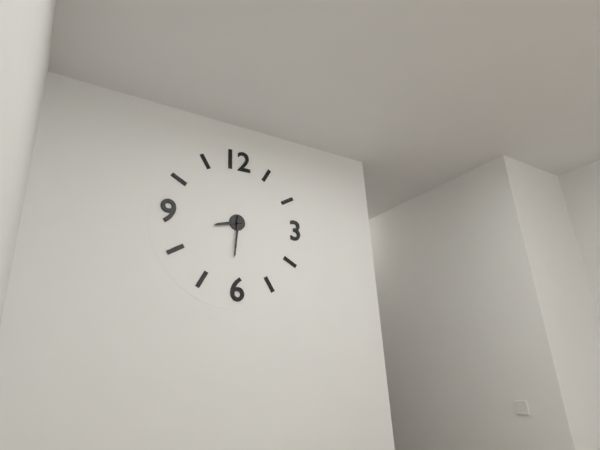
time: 8:31
